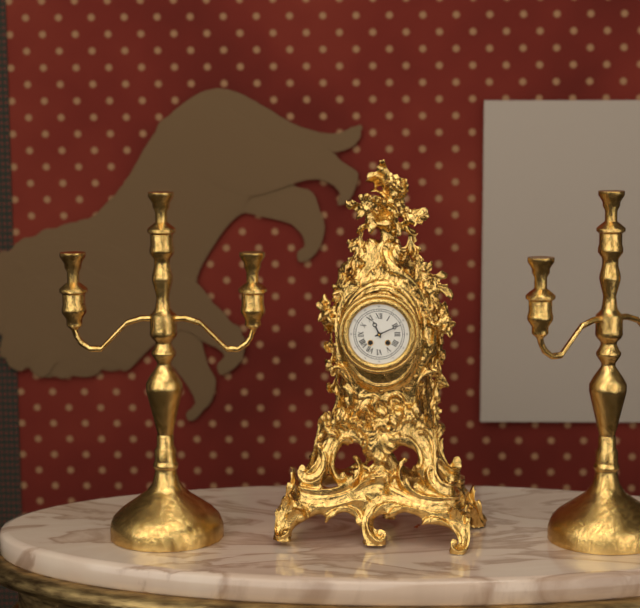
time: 11:11
